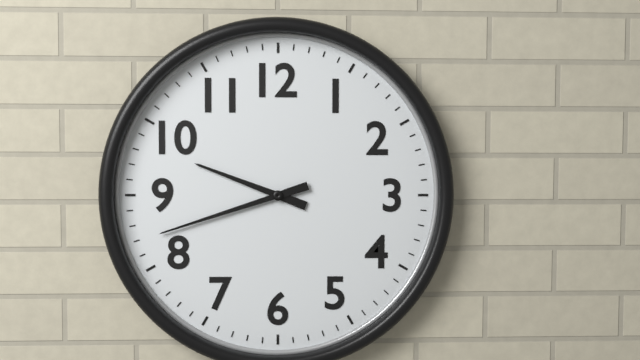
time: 9:42
